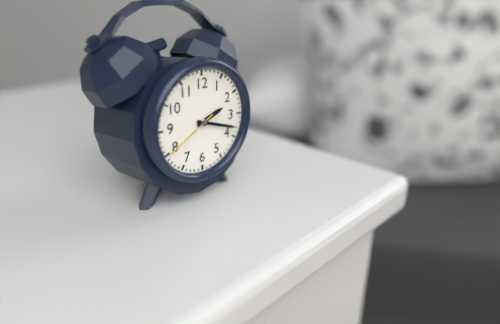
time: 2:18:40
